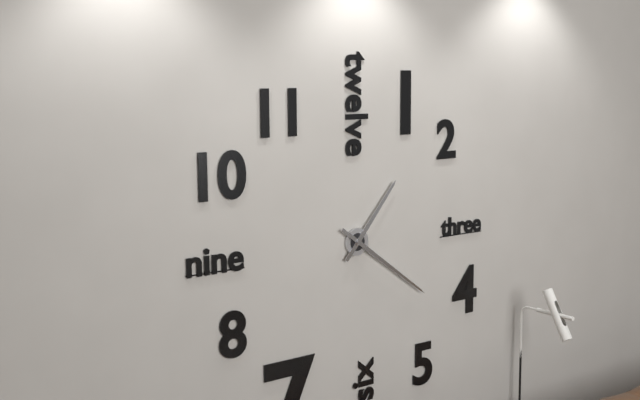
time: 1:21
